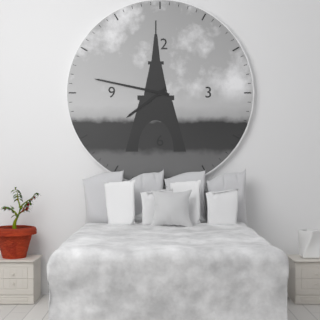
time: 7:47
